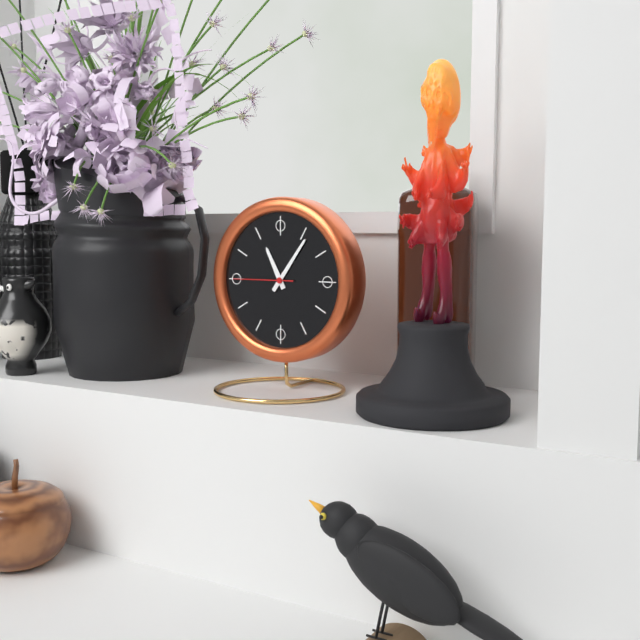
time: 11:06:45
